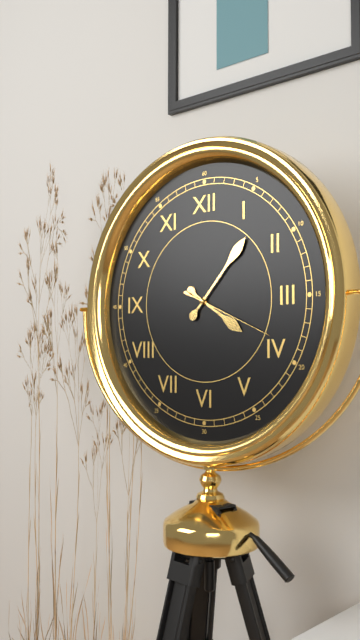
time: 4:07:19
